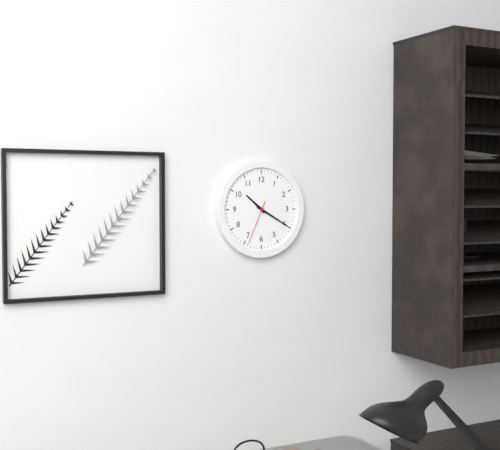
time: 10:20
